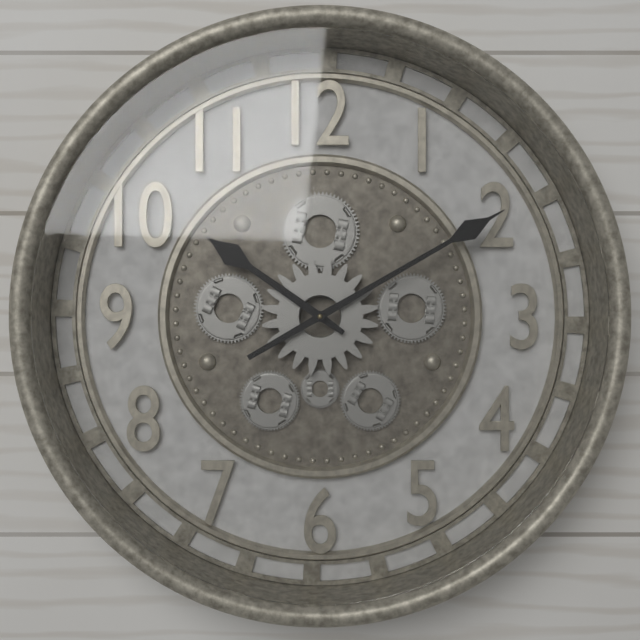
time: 10:10
